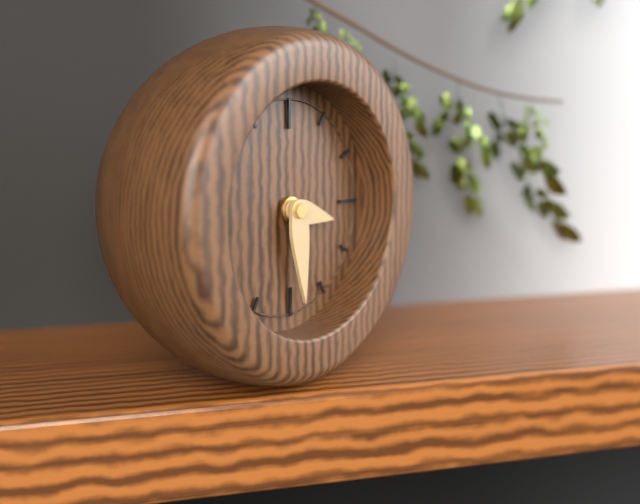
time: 3:29
